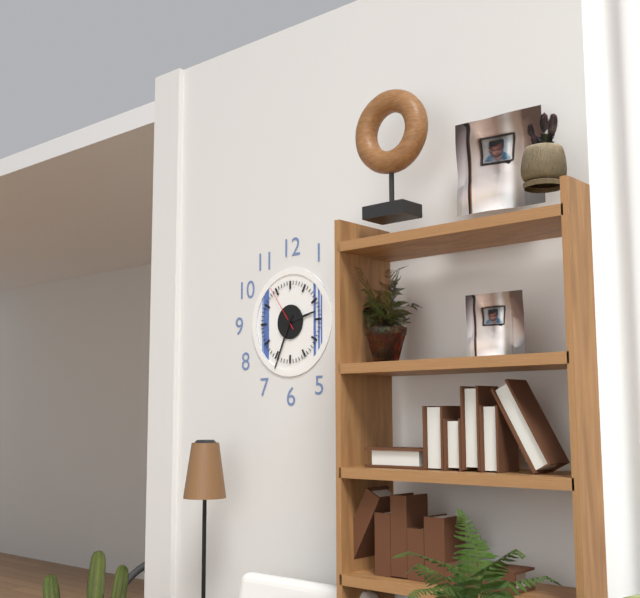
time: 2:34
